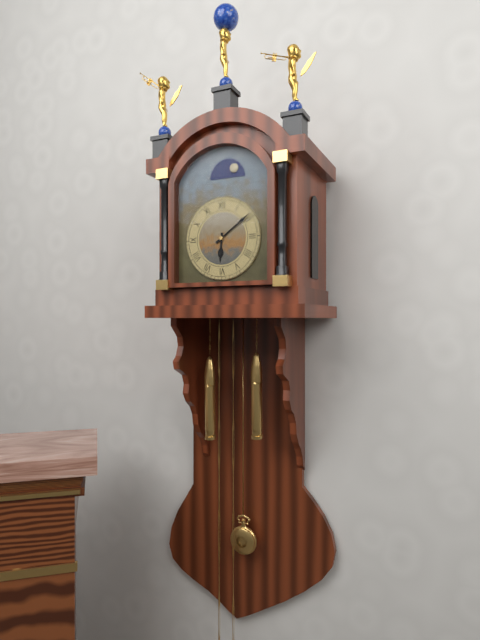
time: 6:09
